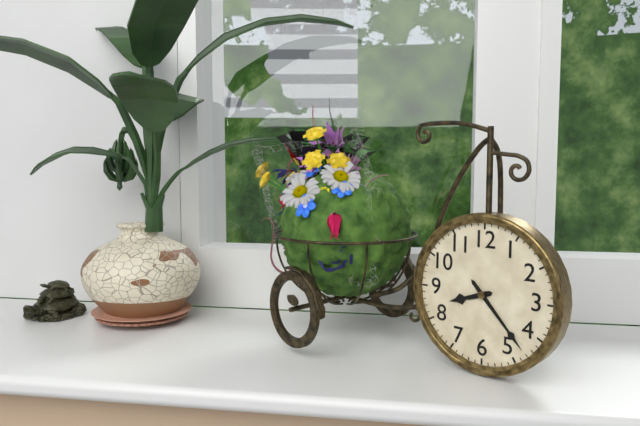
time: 8:23
